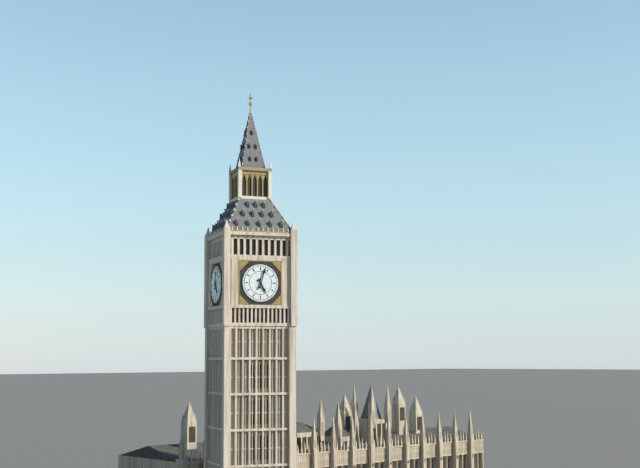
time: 5:03
